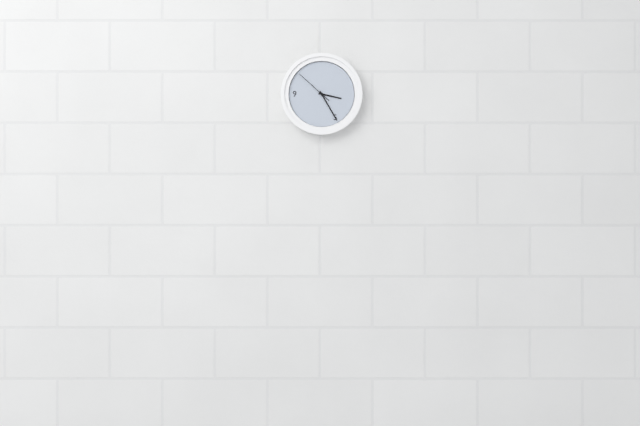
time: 3:25
